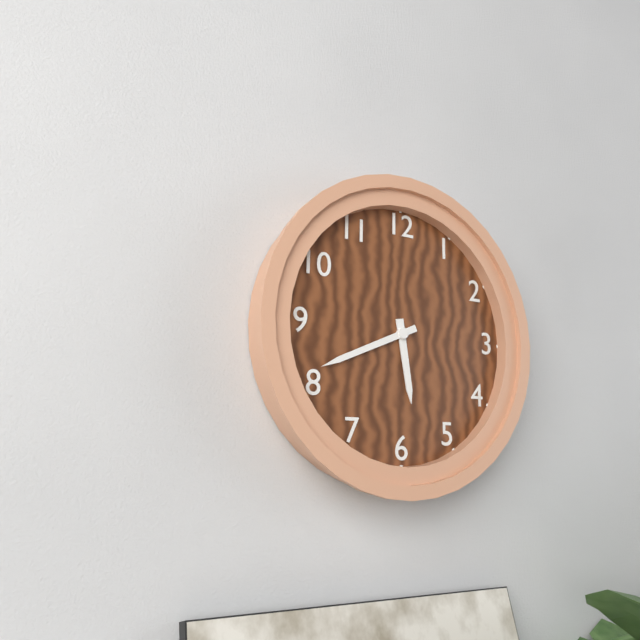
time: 5:41
